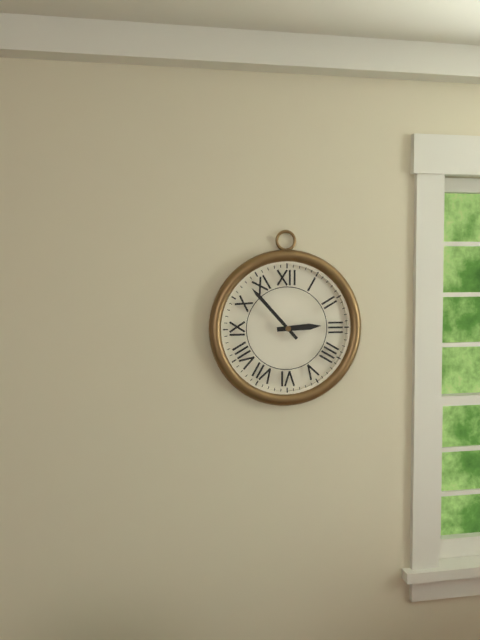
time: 2:53
